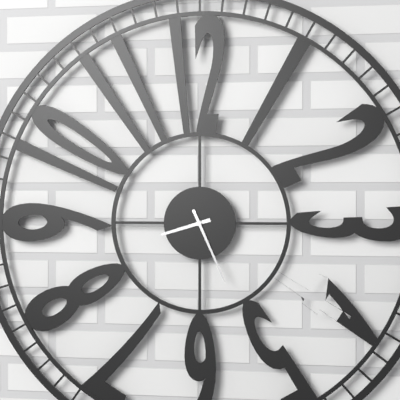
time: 8:26
